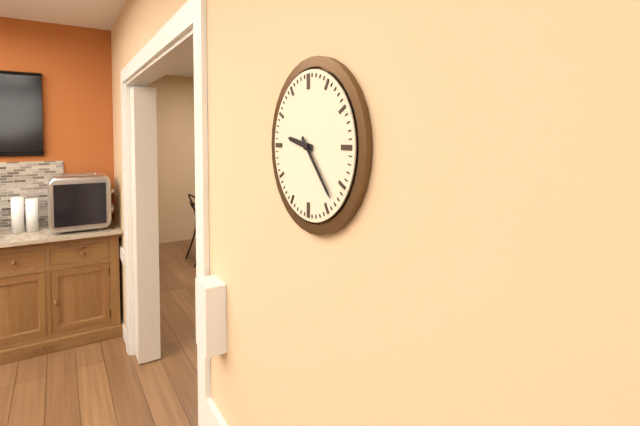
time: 9:23
